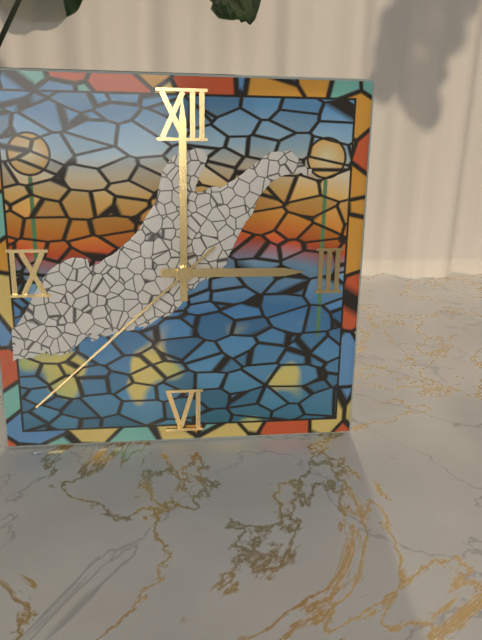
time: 3:00:38
